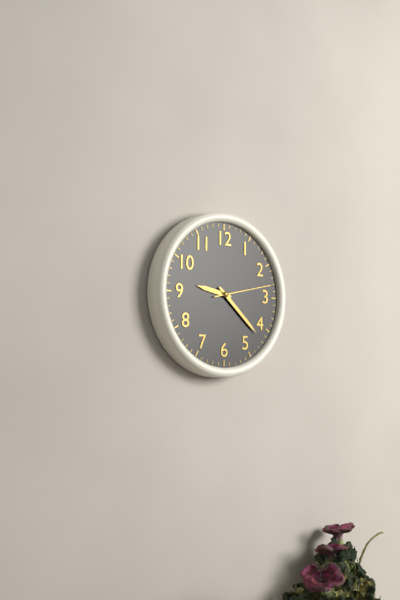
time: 9:22:13
